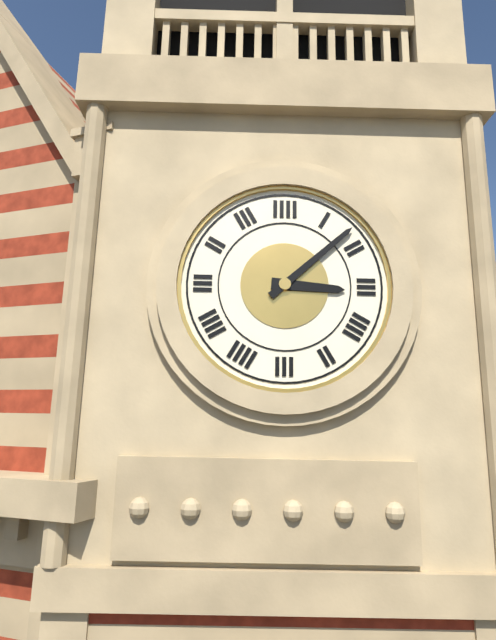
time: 3:08
